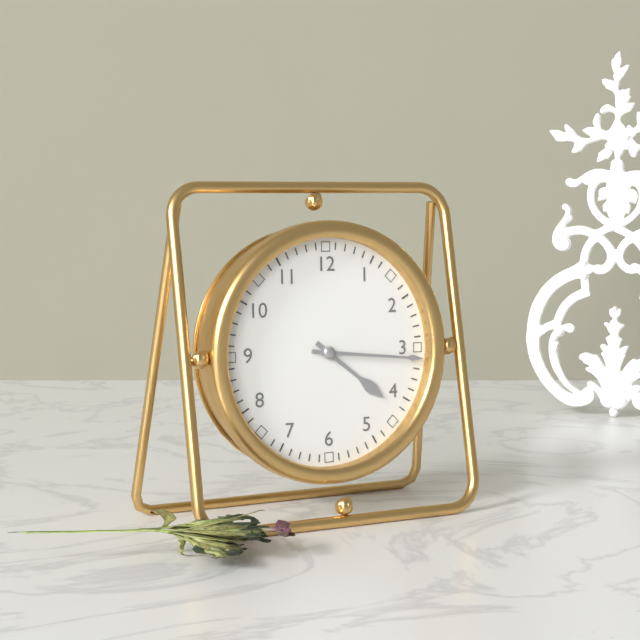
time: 4:16
